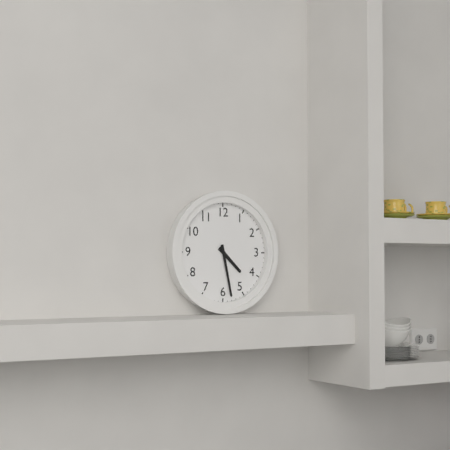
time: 4:28
